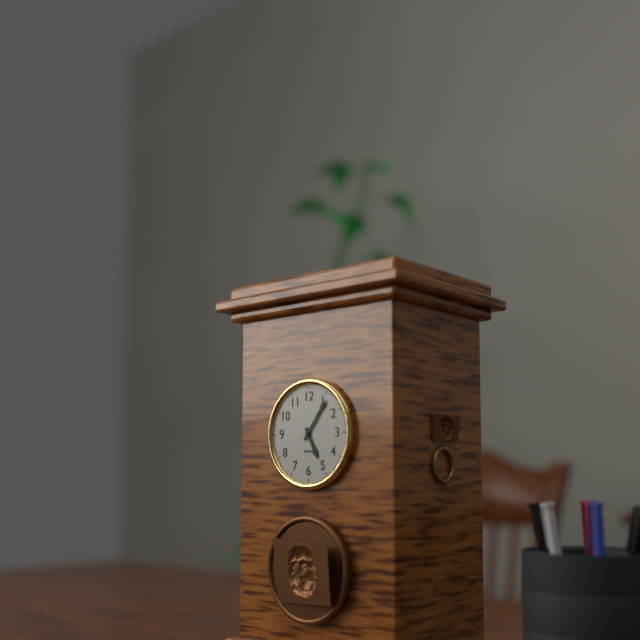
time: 5:06
